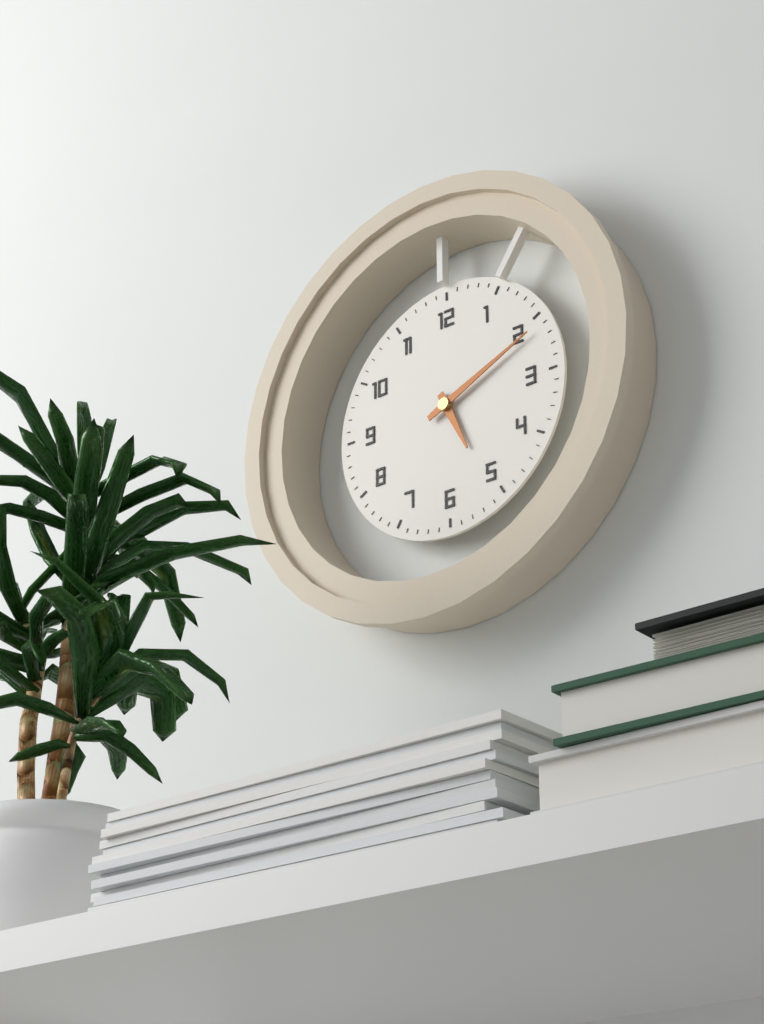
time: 5:11
